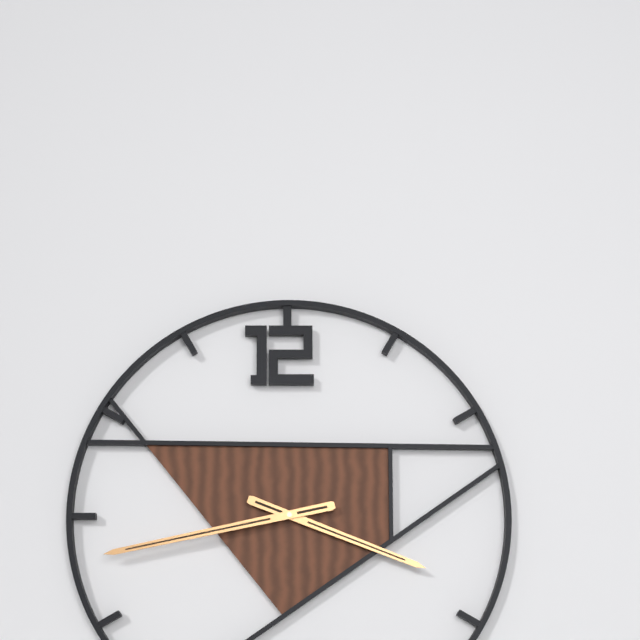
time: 3:43
